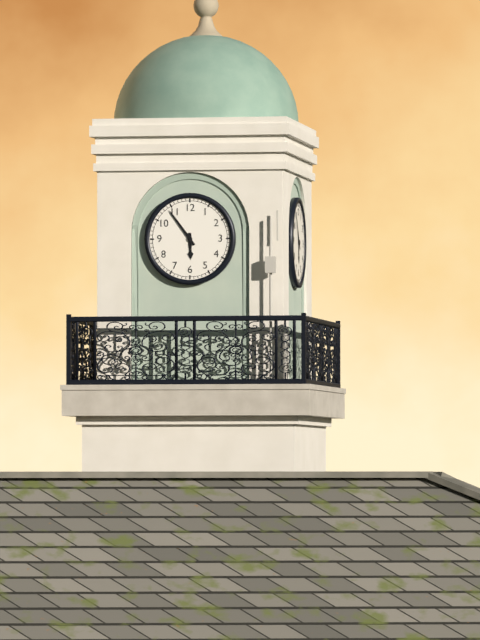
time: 5:54
